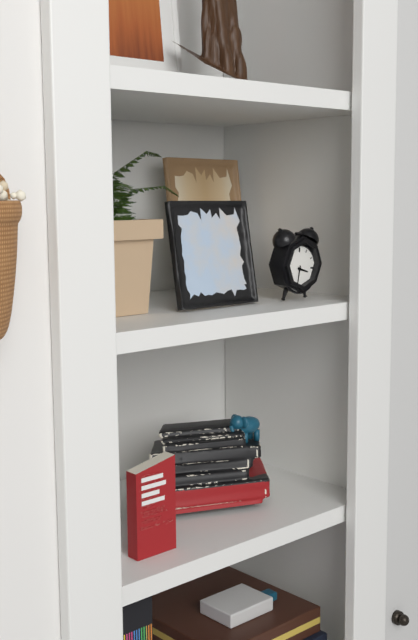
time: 3:32
